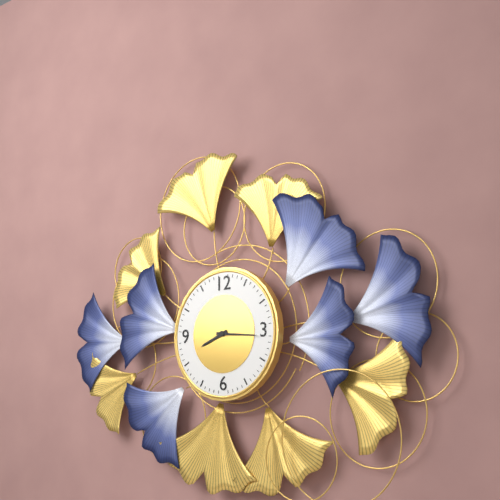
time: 8:16
